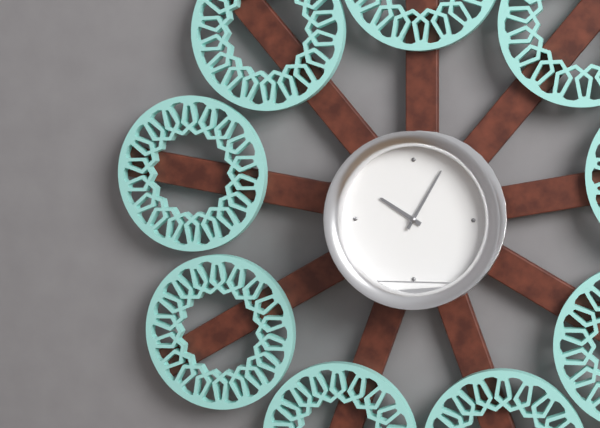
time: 10:05
